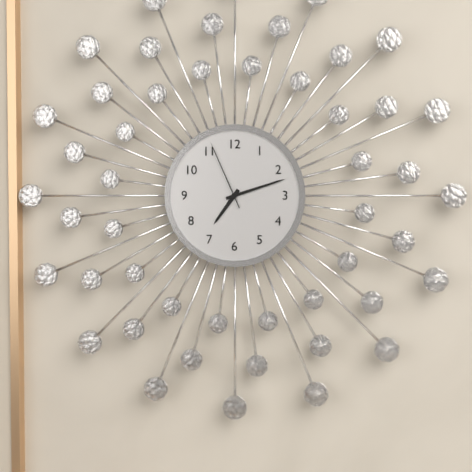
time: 7:12:56
